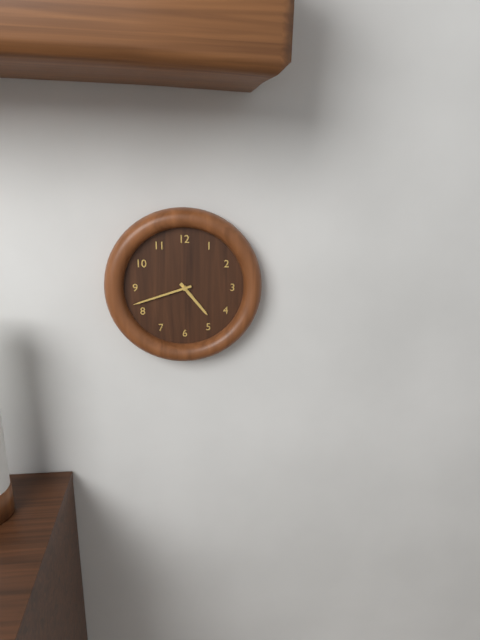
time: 4:42
